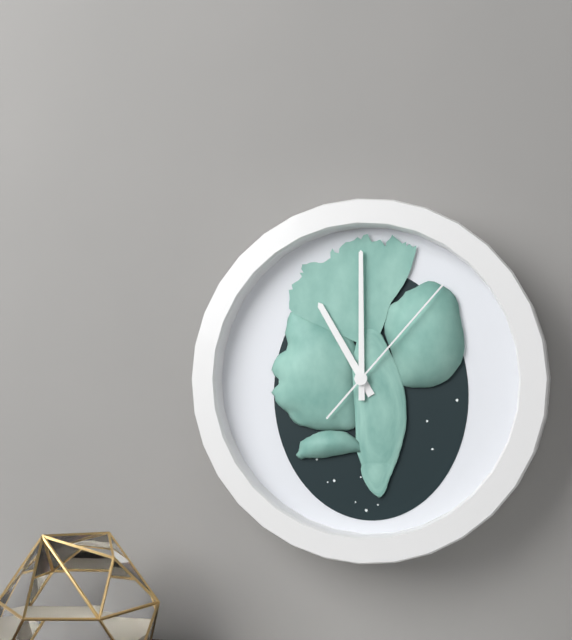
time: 11:00:07
